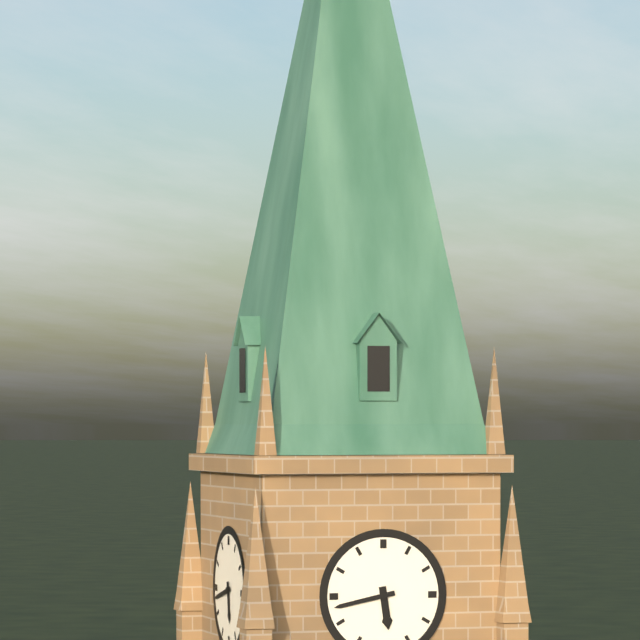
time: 5:43
